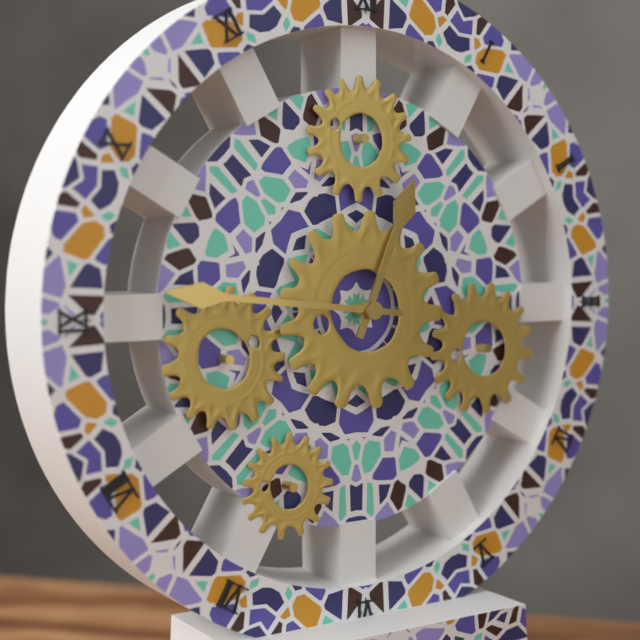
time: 12:46
